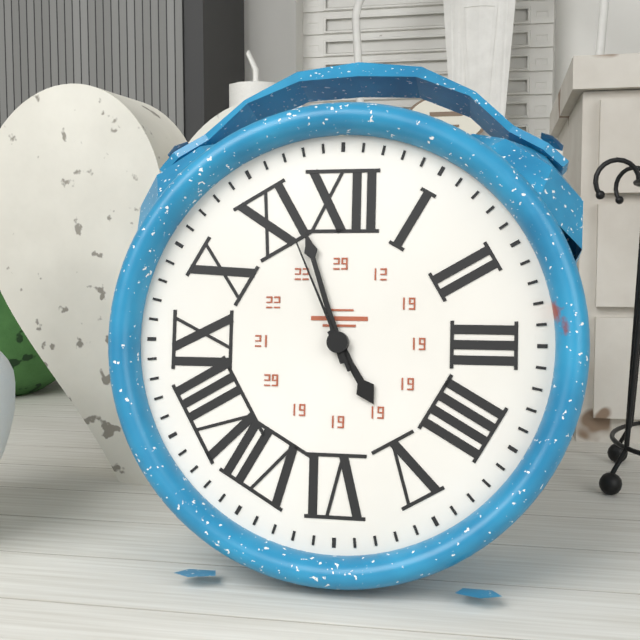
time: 4:57:56
